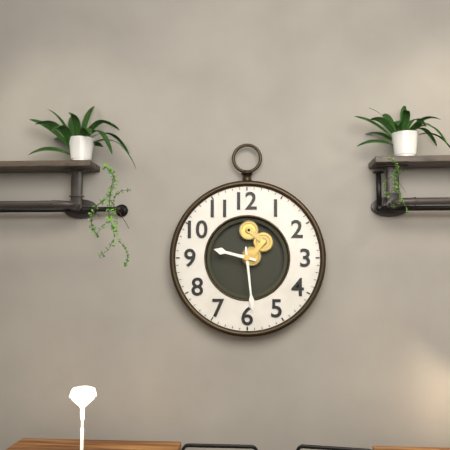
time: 9:29
